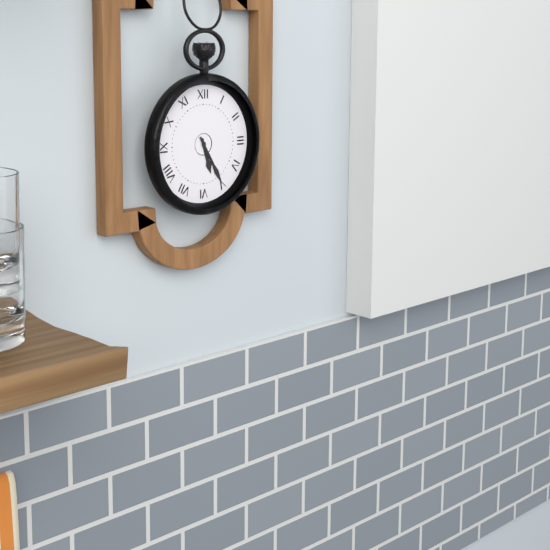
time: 5:25
